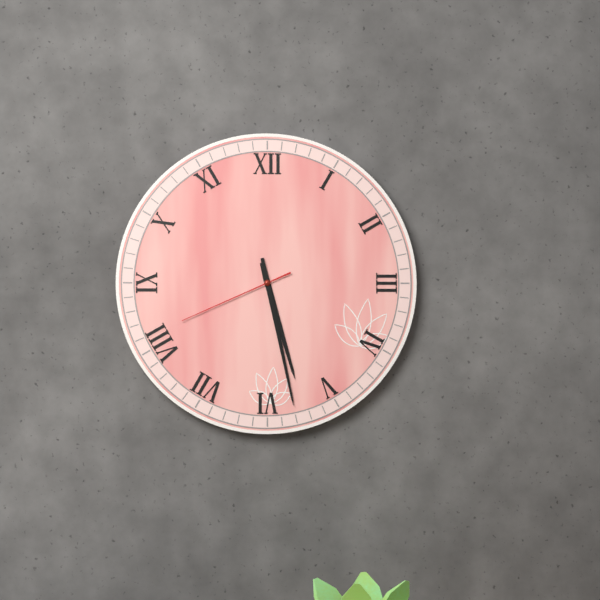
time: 5:28:41
